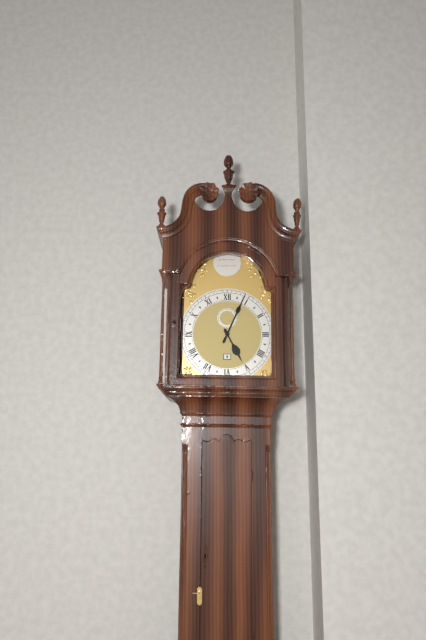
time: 5:04
